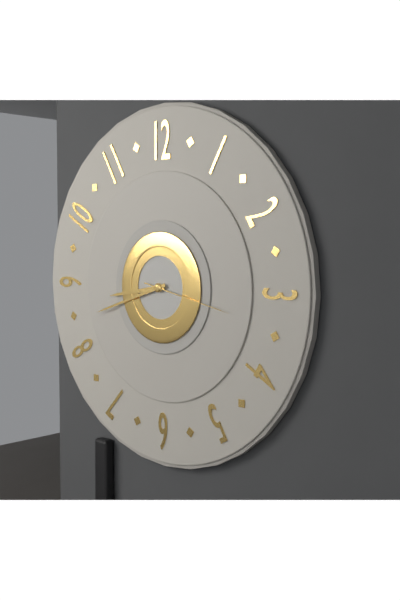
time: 8:42:17
